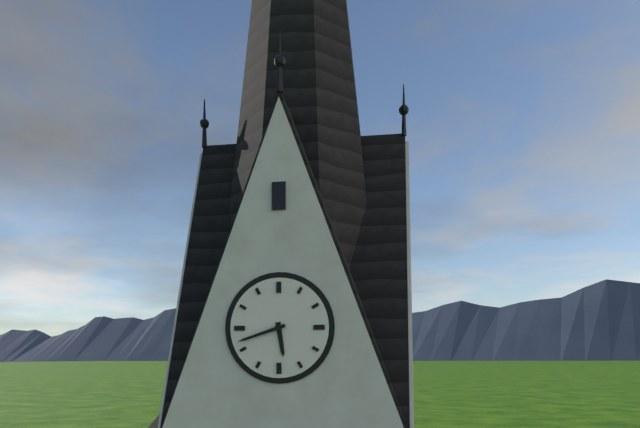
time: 5:42
